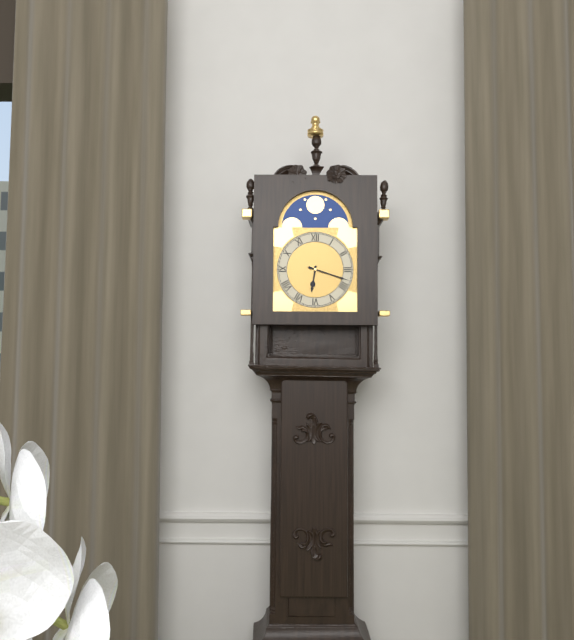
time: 6:18
